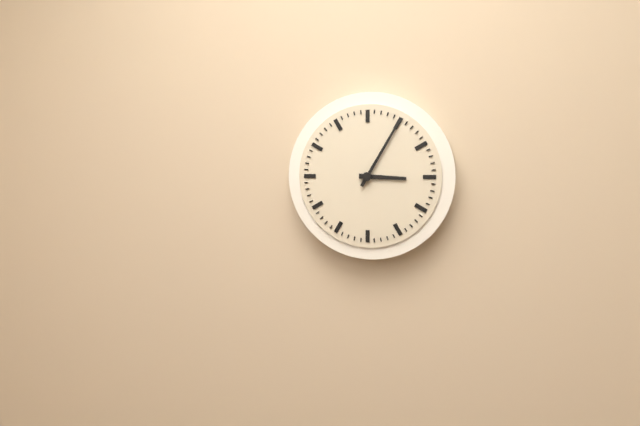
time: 3:05
